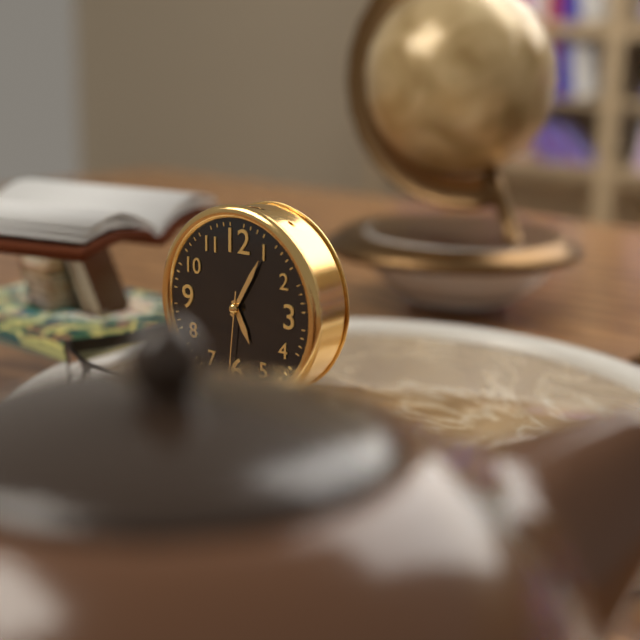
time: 5:05:31
